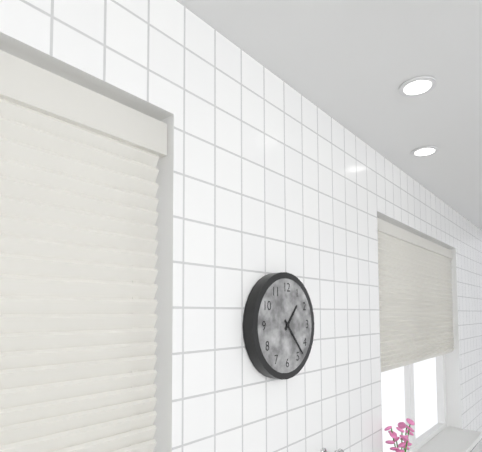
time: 1:23
